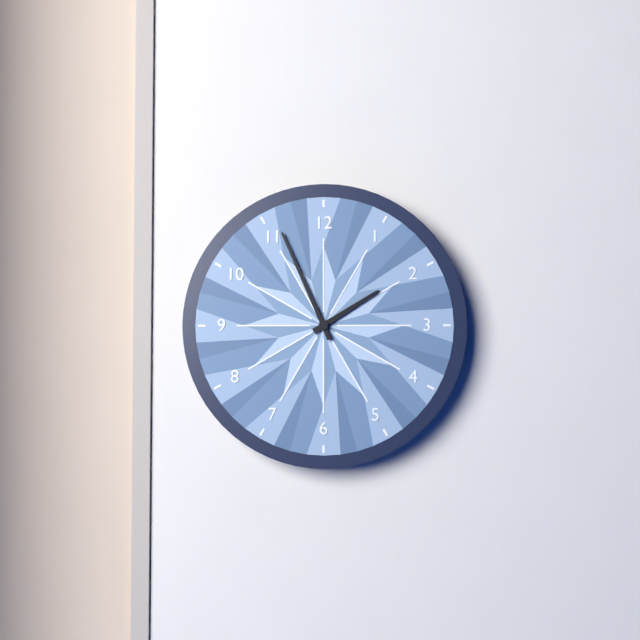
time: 1:56
